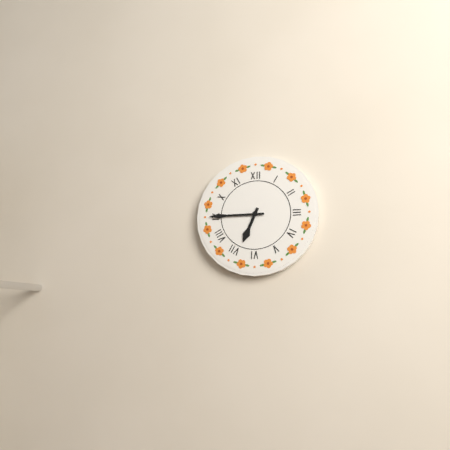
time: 6:45
